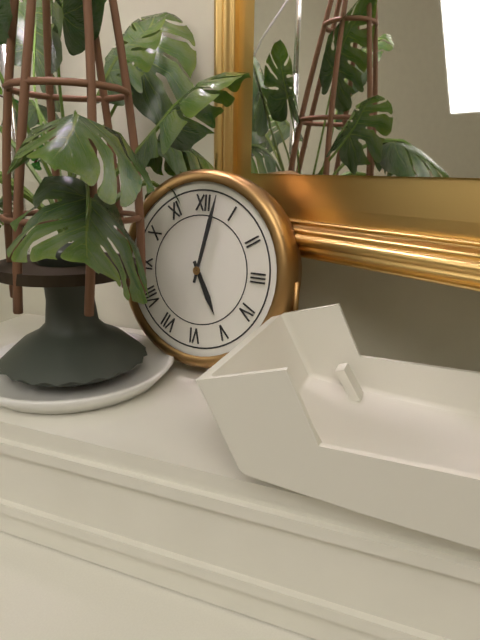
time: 5:02
